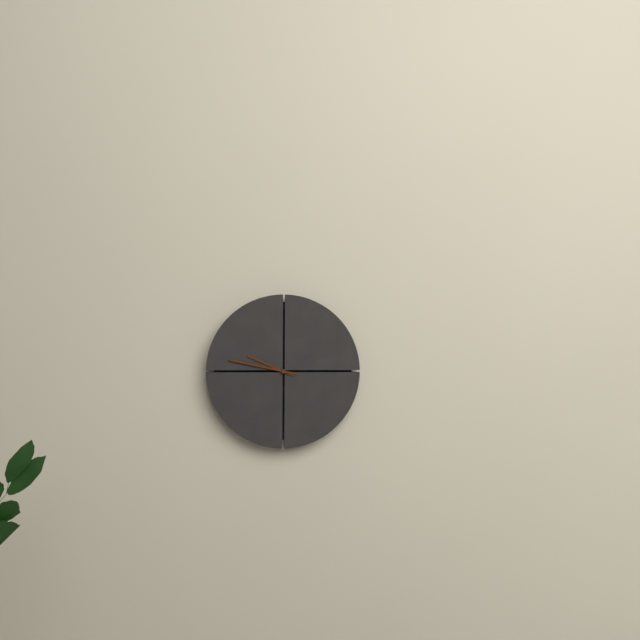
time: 9:47
